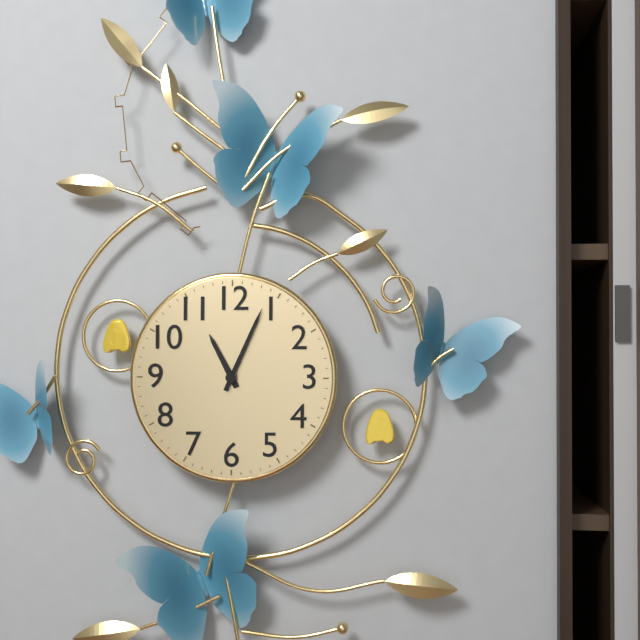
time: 11:04
